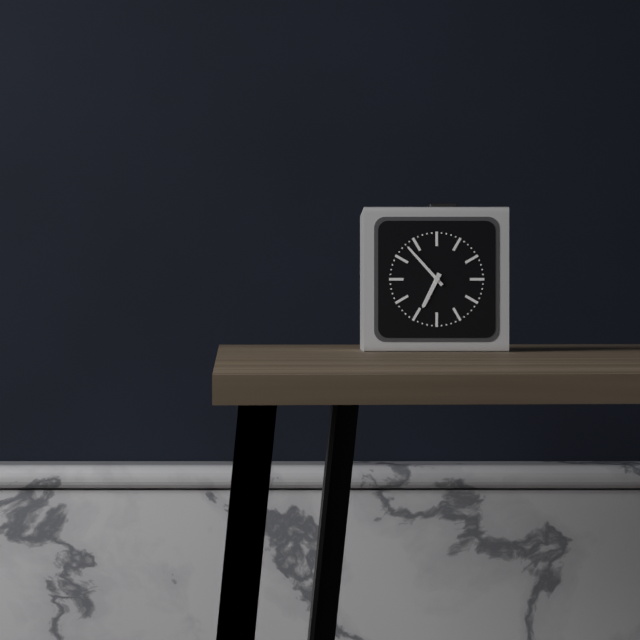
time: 6:53
